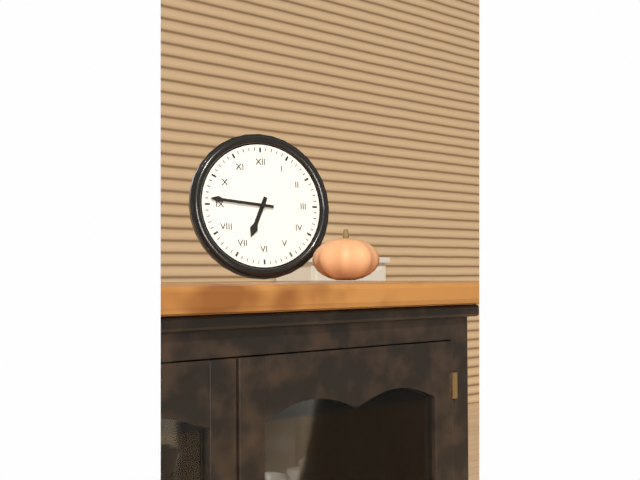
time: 6:46
